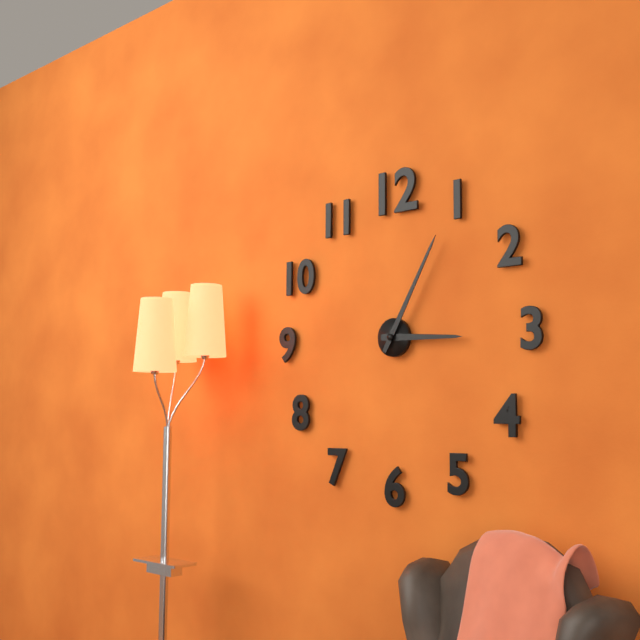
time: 3:05
